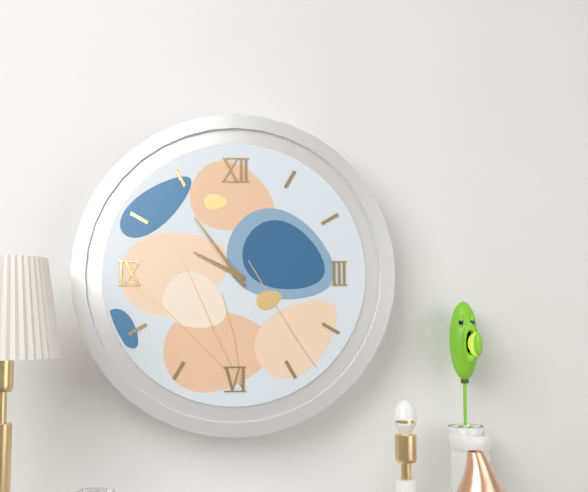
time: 9:54
